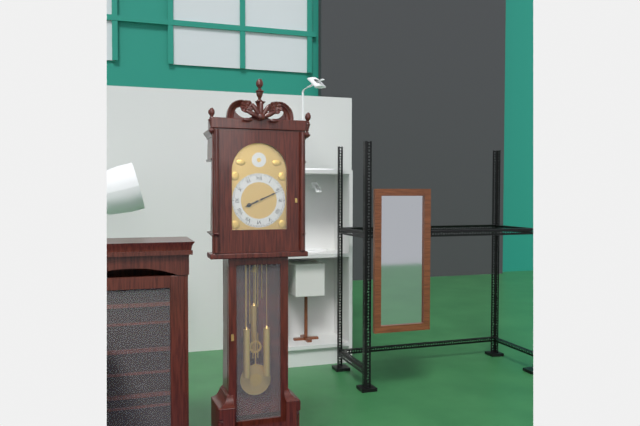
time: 8:11
